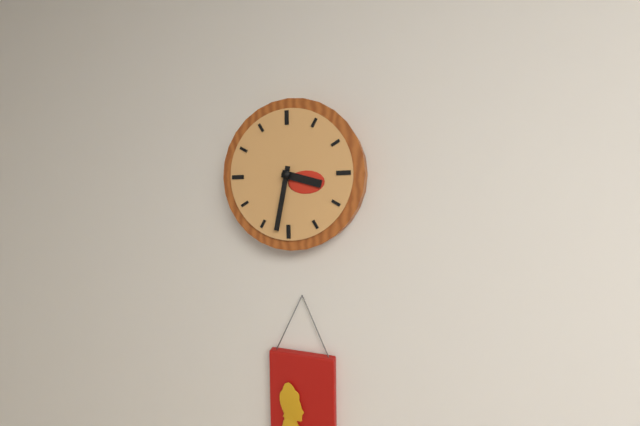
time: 3:32
